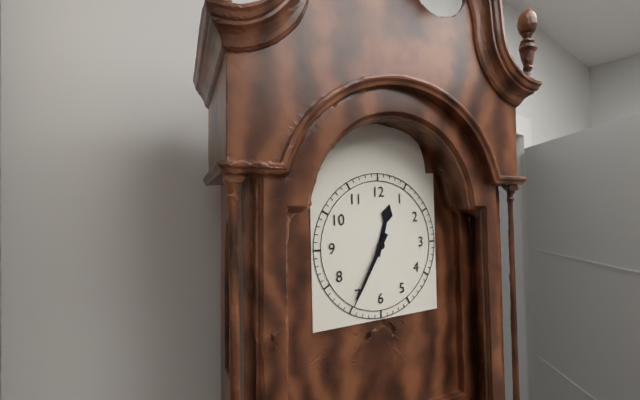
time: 12:35
